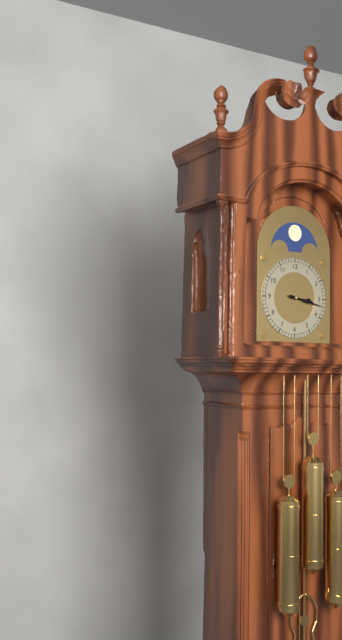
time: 3:17
